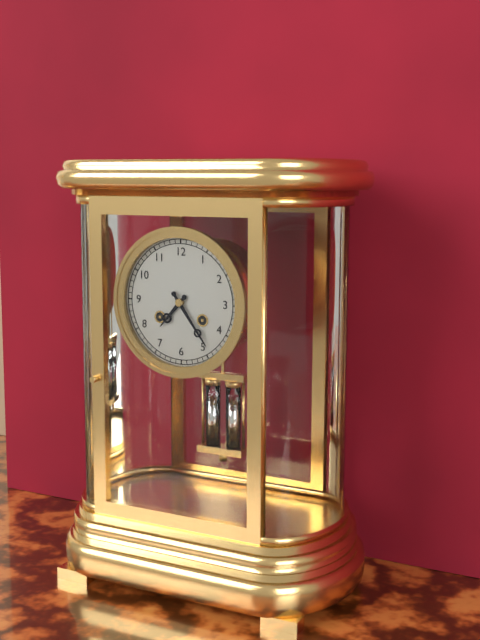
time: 7:24
